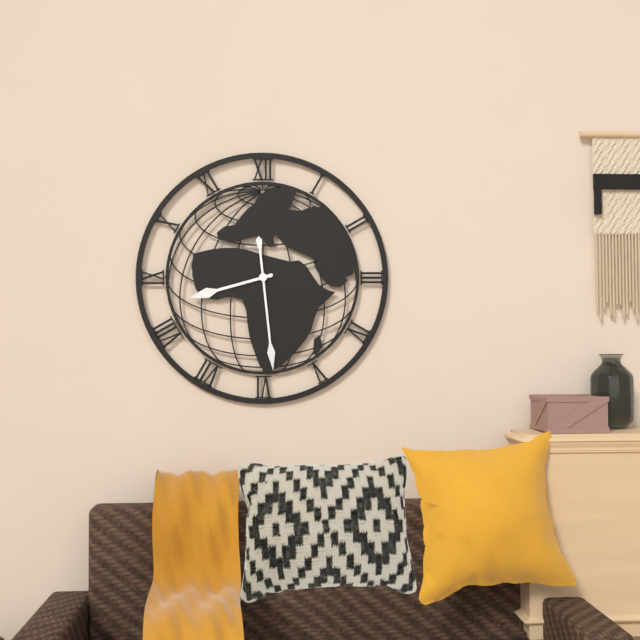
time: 8:29
